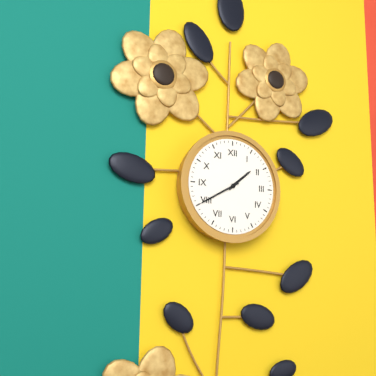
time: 1:40
